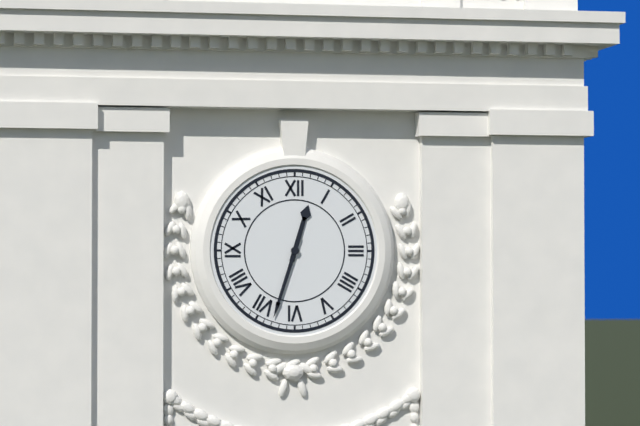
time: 12:33
